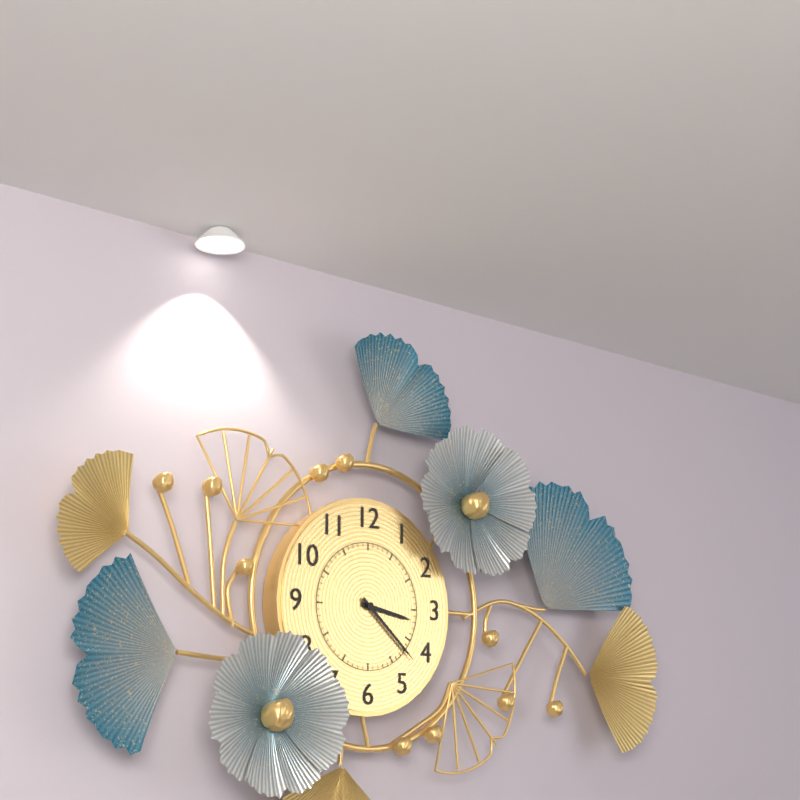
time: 3:22
